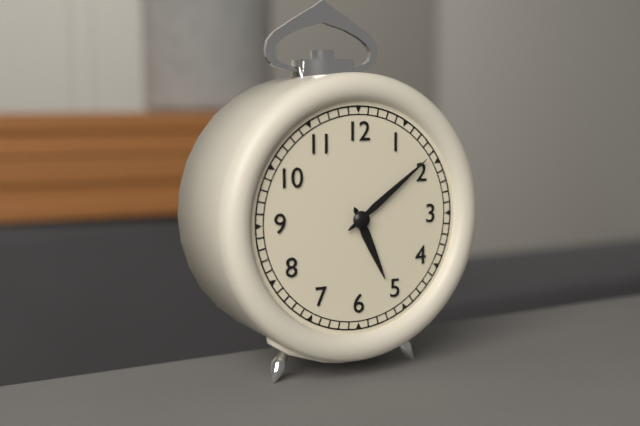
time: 5:09
